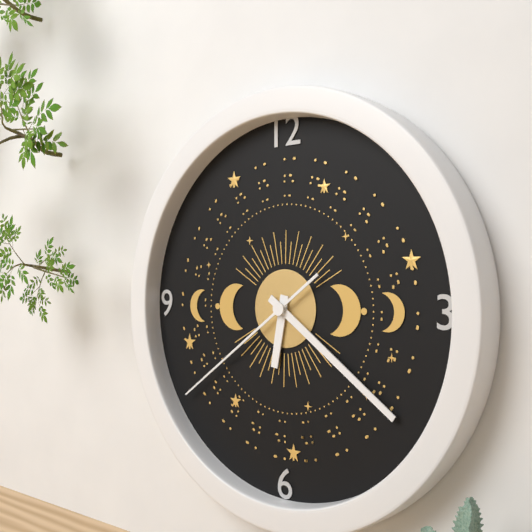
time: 6:21:39
